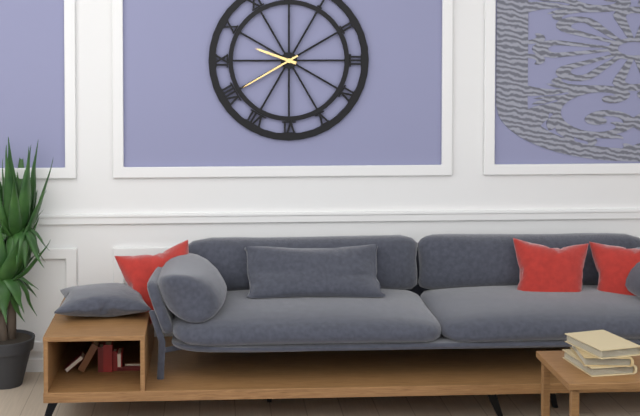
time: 9:40
